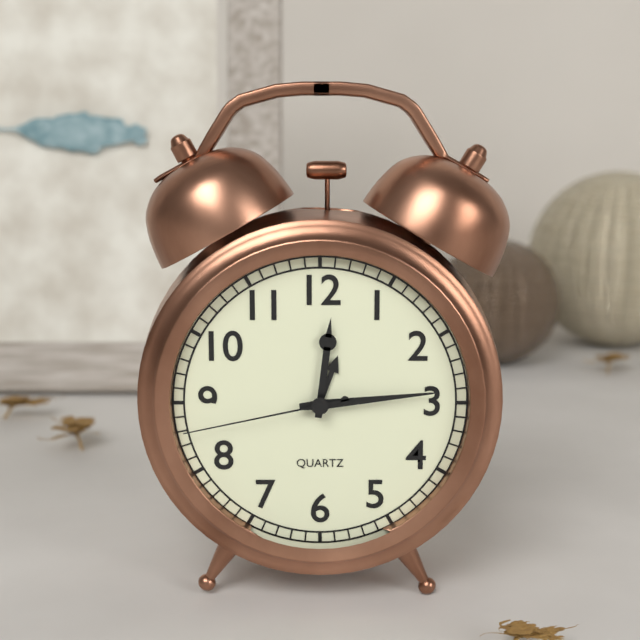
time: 12:14:43
